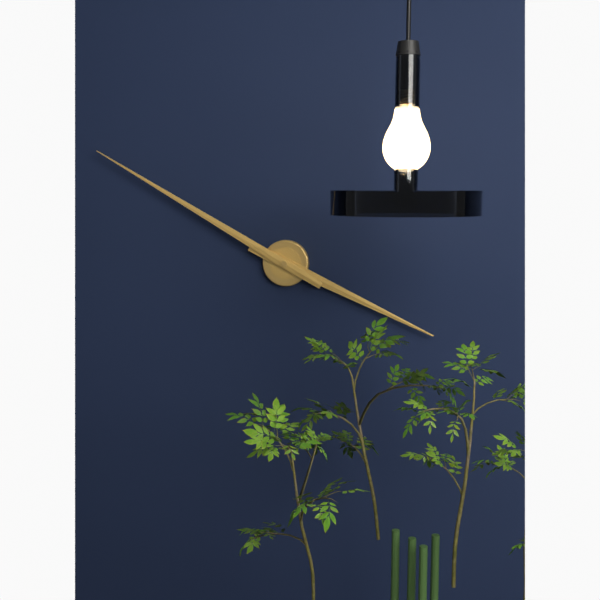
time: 3:50
